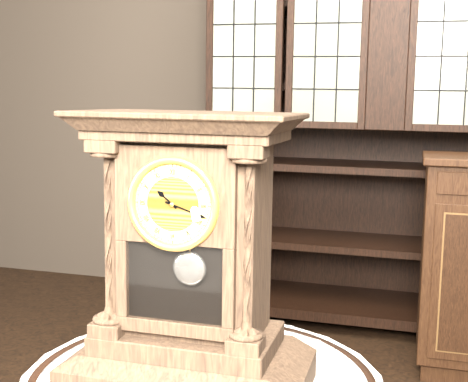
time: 10:18
